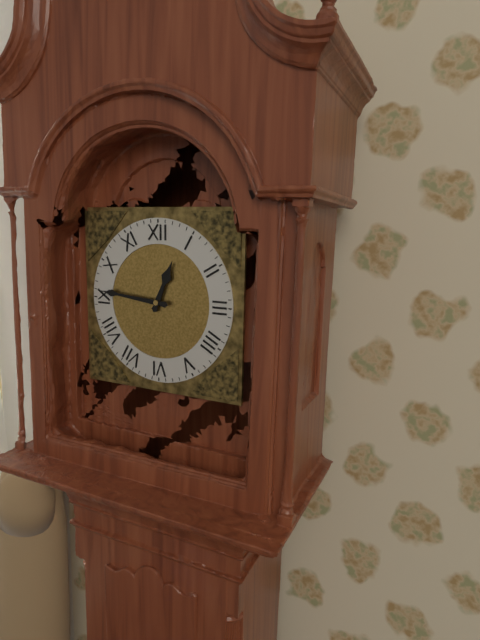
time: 12:46
